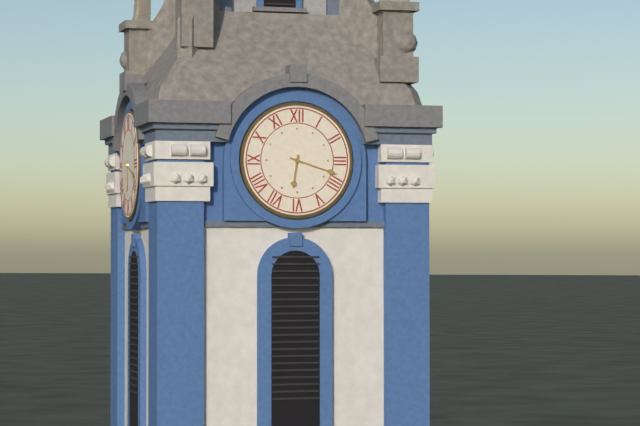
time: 6:18
